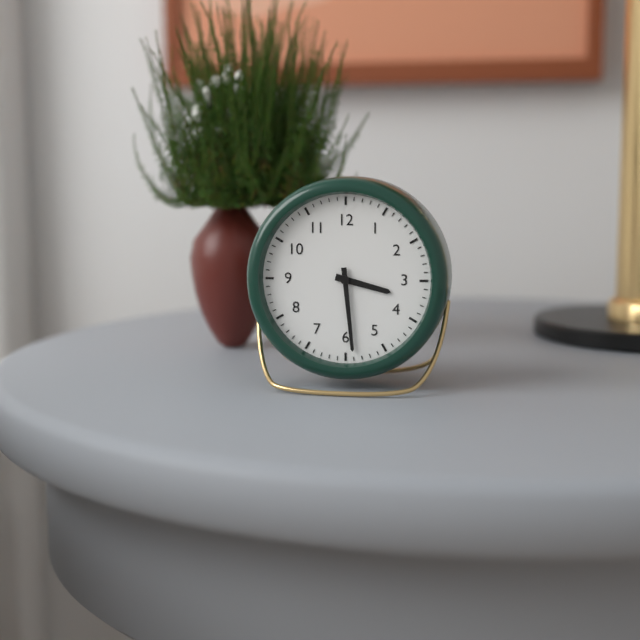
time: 3:29
